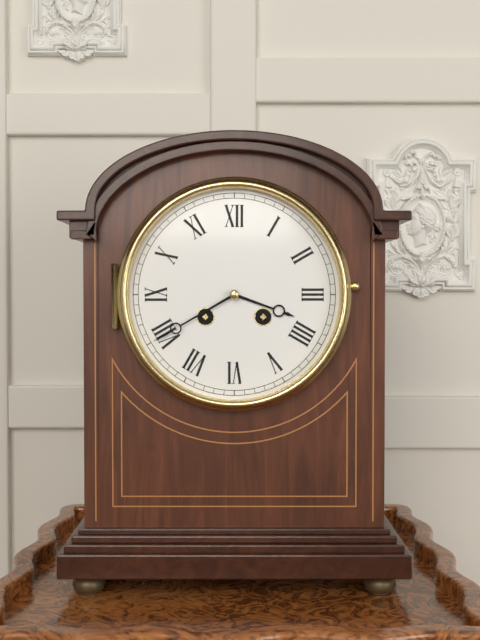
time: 3:40
